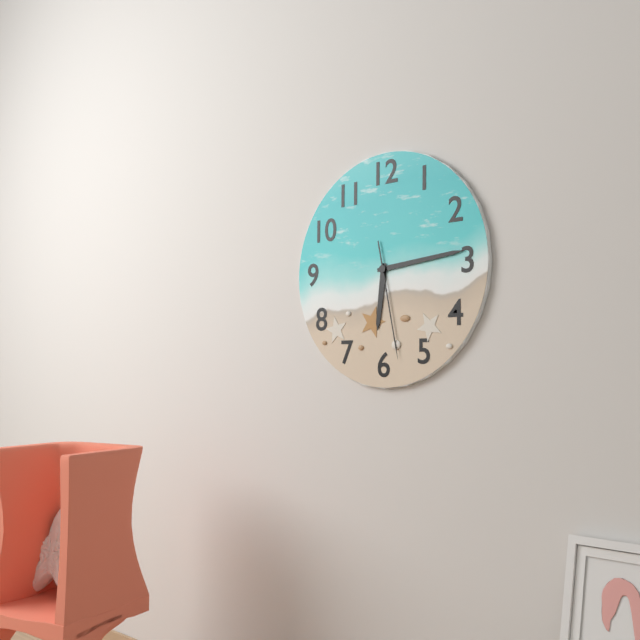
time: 6:14:28
